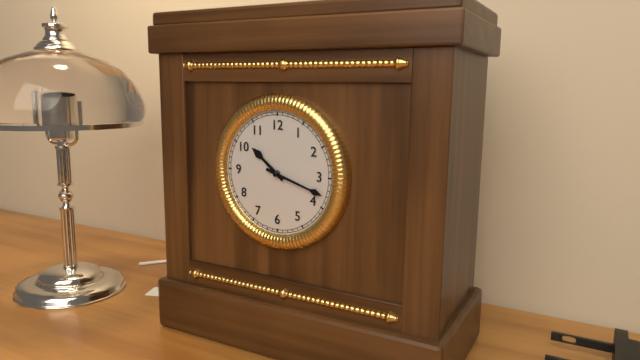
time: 10:18
